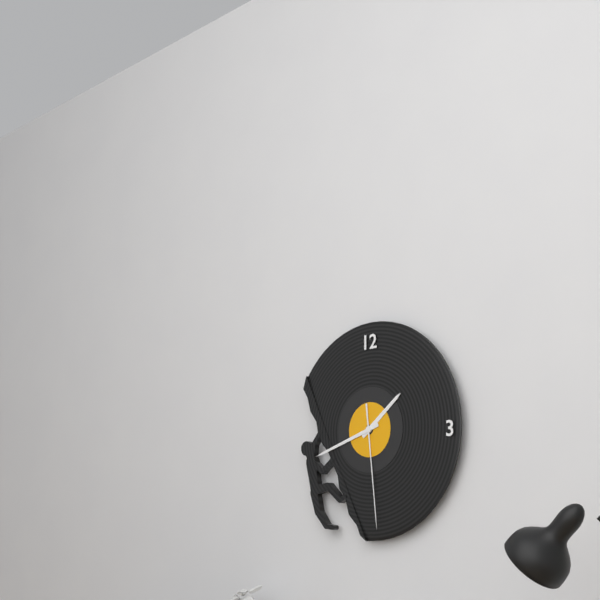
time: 1:42:29
